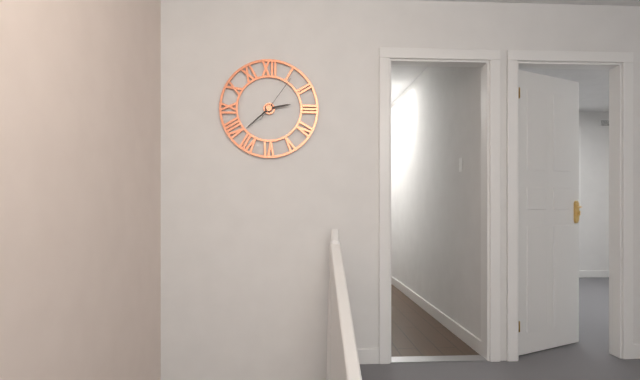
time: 2:38
